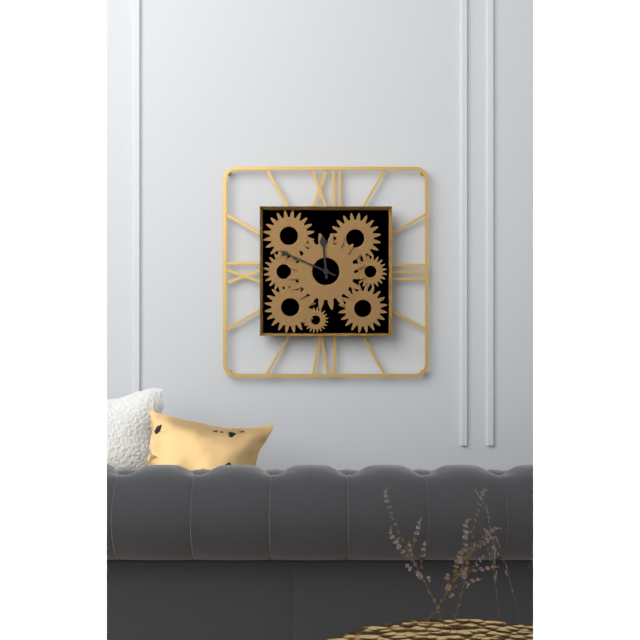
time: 11:49
